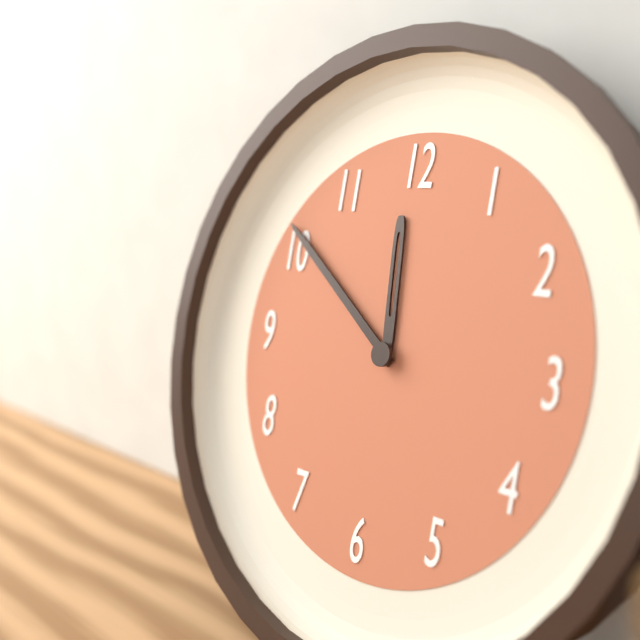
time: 11:51
